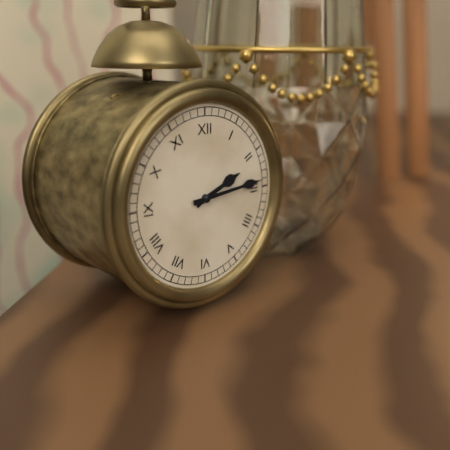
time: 2:14
